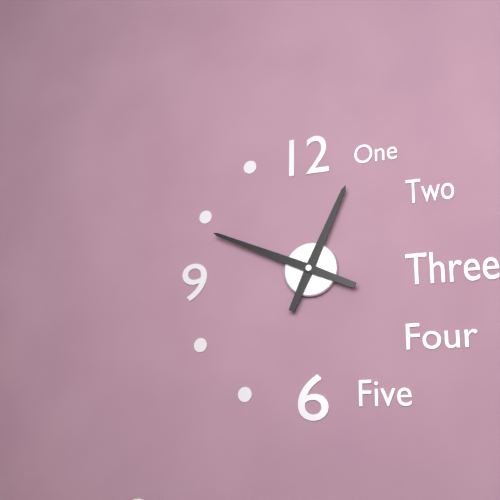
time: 12:49
